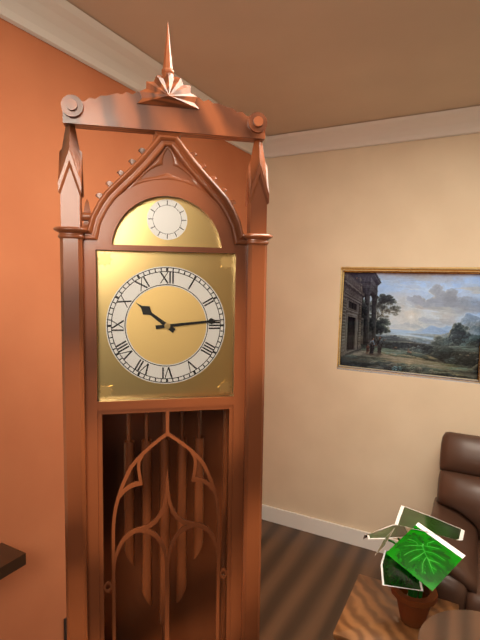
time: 10:14
